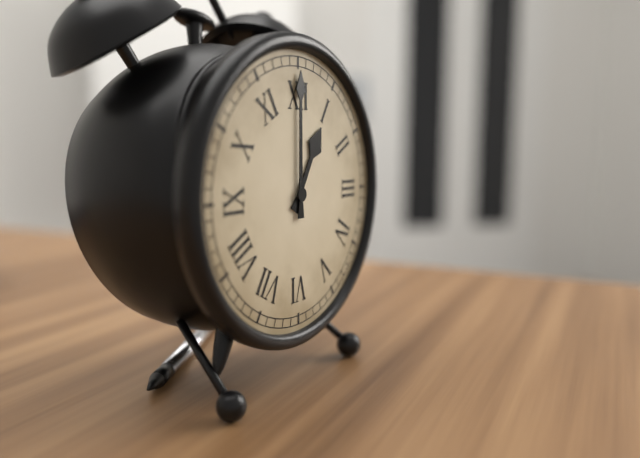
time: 1:00
